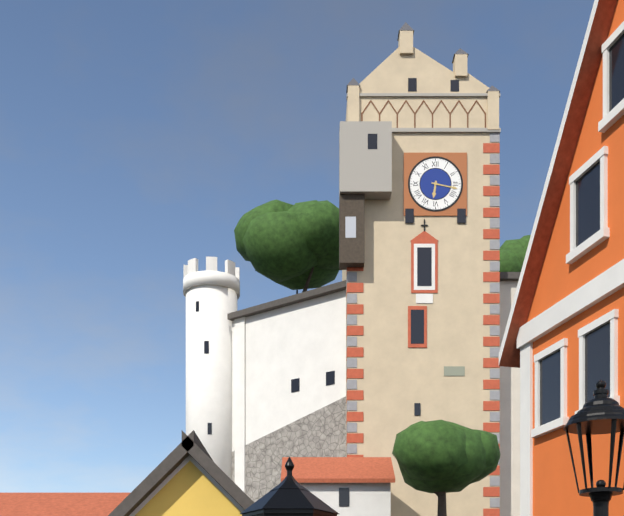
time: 6:17
